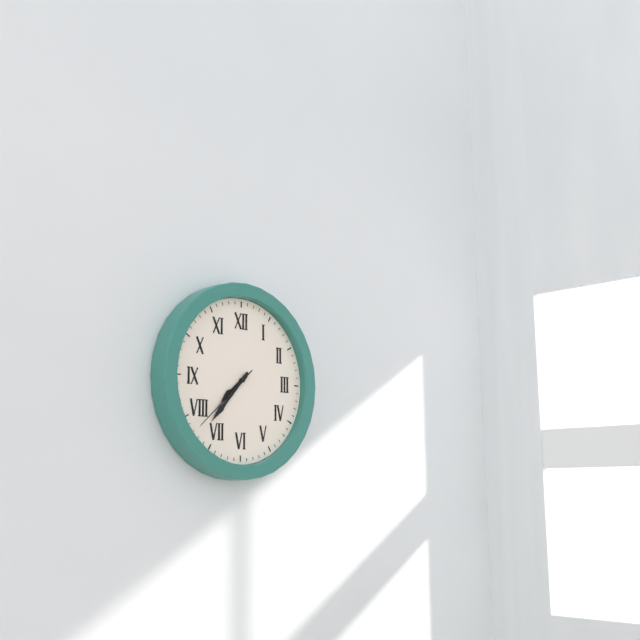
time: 7:37:38
